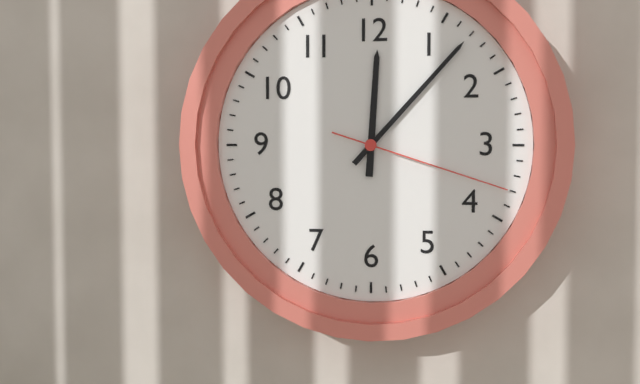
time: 12:07:18
